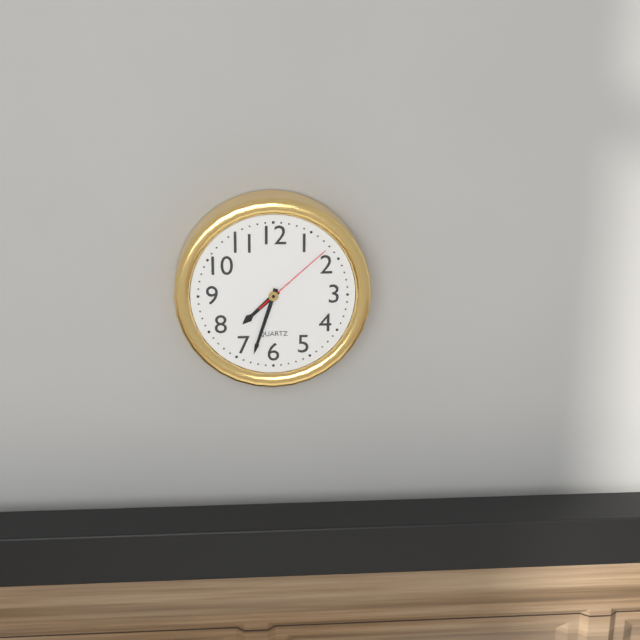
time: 7:33:08
